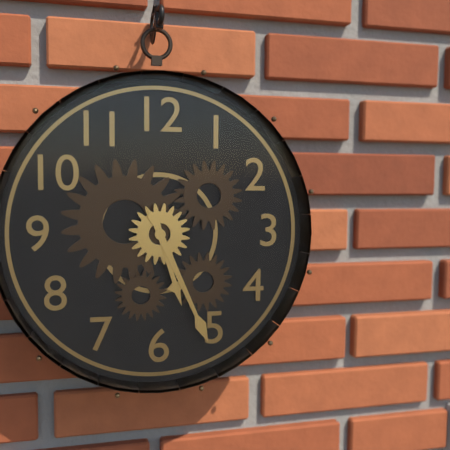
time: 5:26
